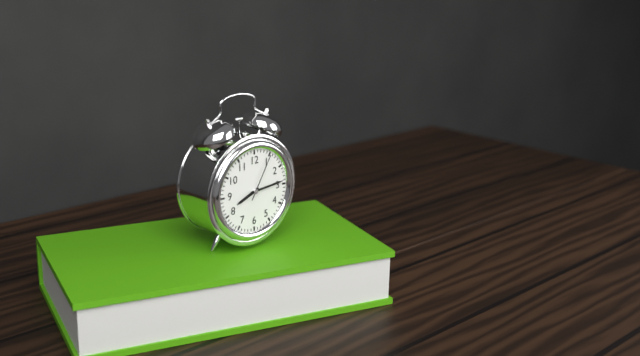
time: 8:14
